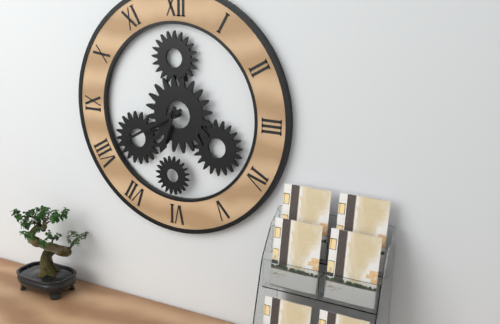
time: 6:40
